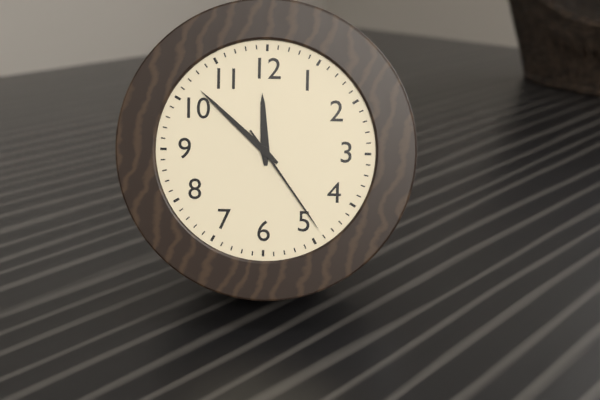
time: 11:52:24
